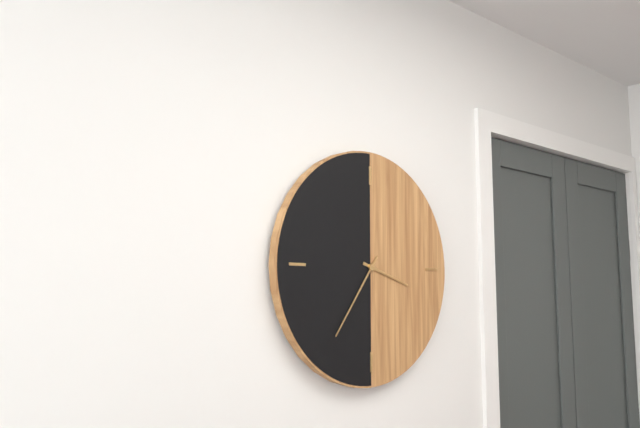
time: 3:36
